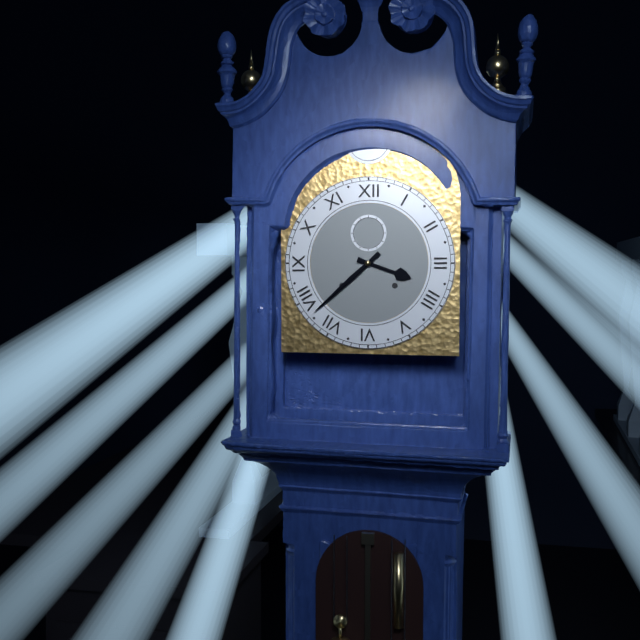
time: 3:38
